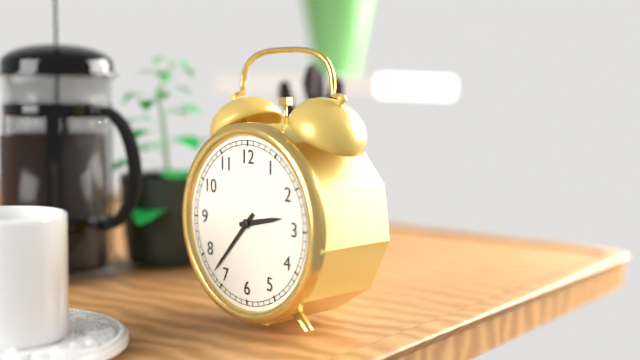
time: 2:37
